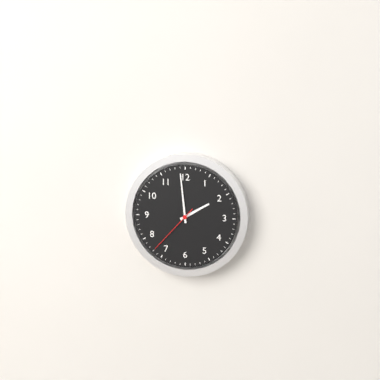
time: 1:59:37
